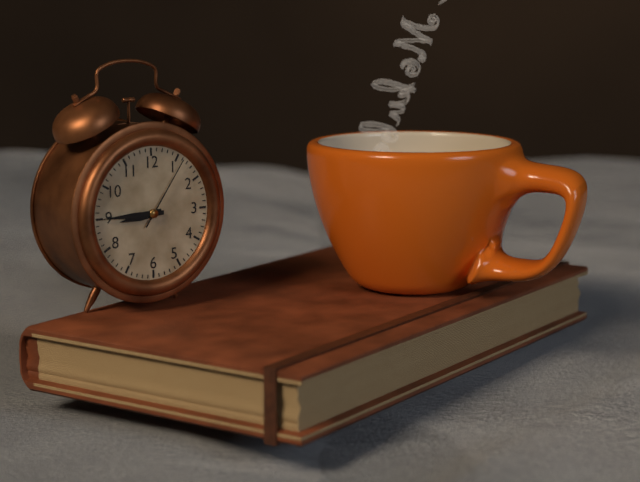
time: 8:45:06
